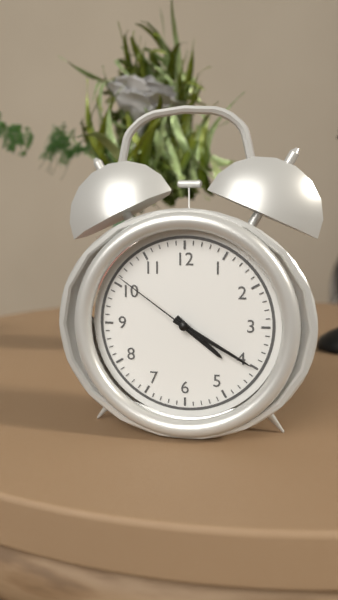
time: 4:20:51
